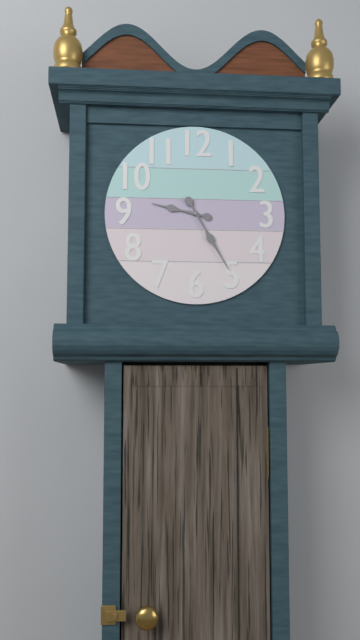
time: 9:25
